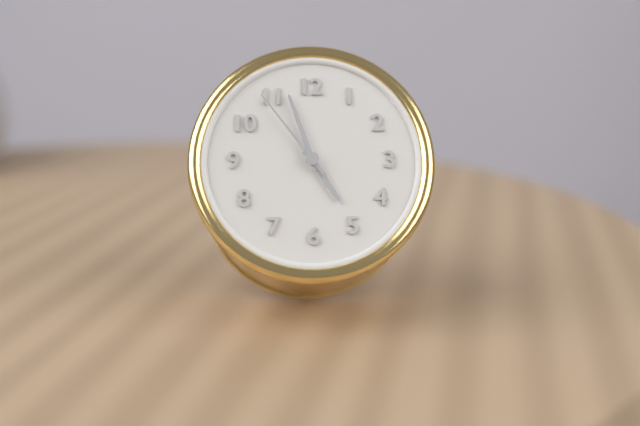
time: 4:57:54
